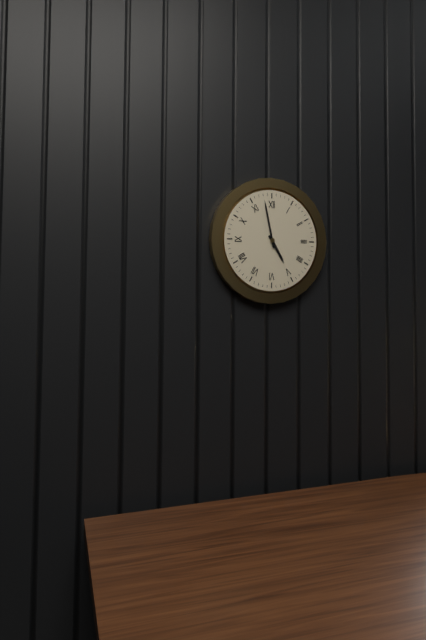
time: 4:58
